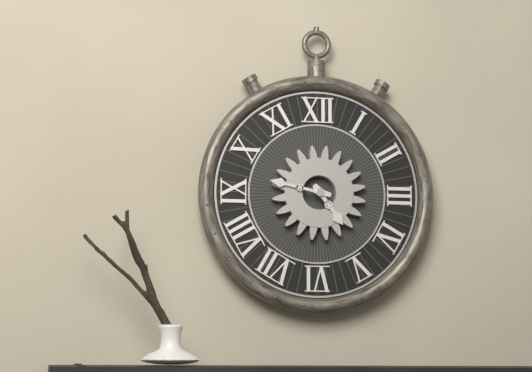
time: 4:47
